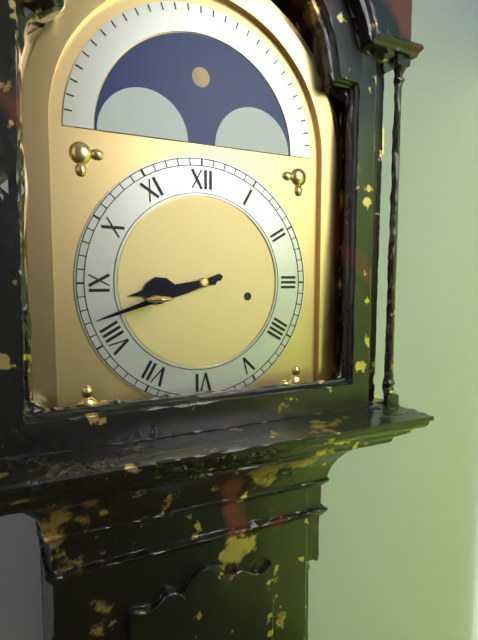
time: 8:42
